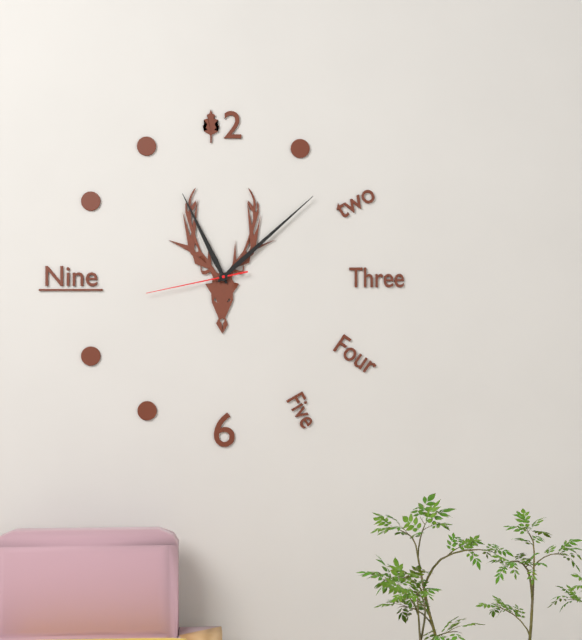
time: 11:08:43
